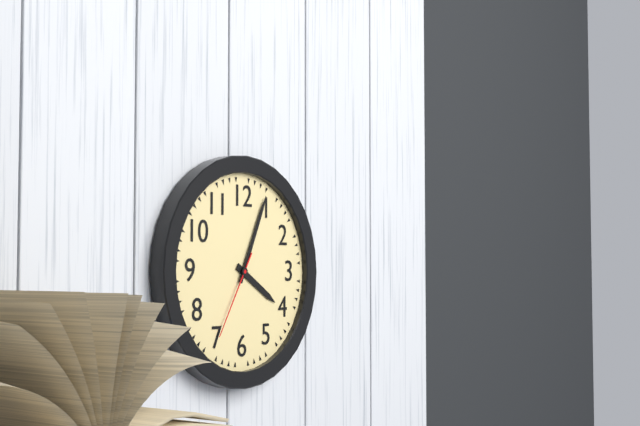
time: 4:04:35
